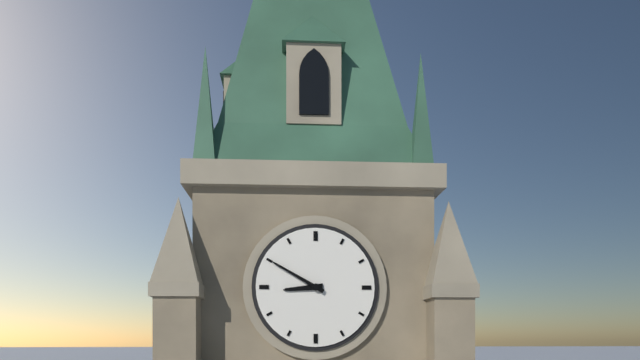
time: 8:50
